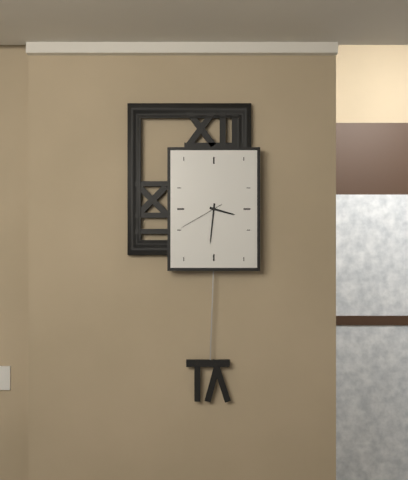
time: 3:31
